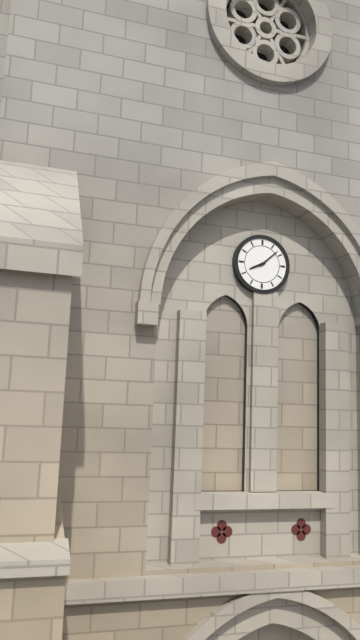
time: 8:08
